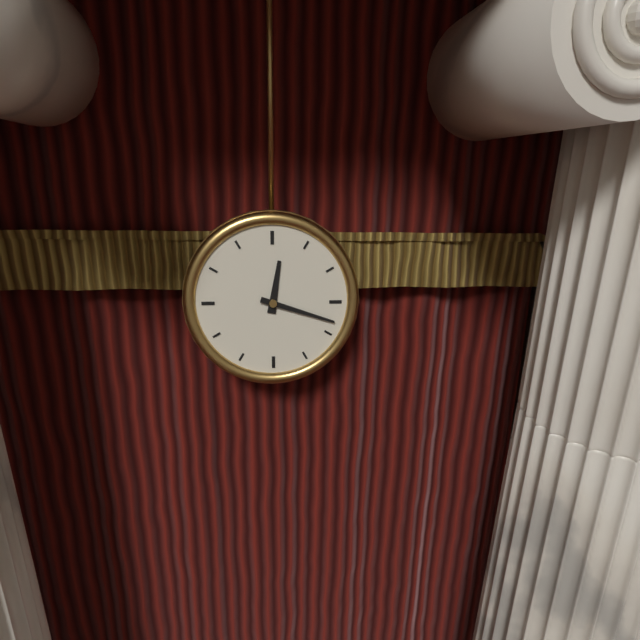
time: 12:18
